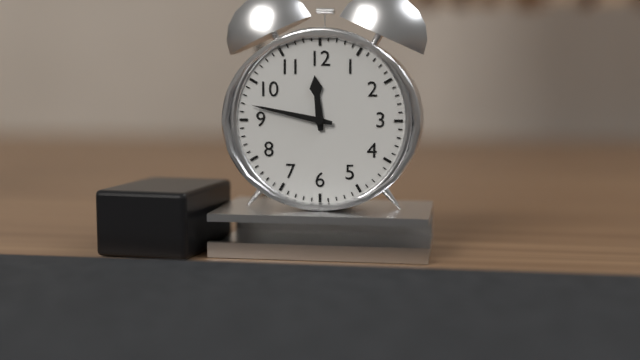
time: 11:47
